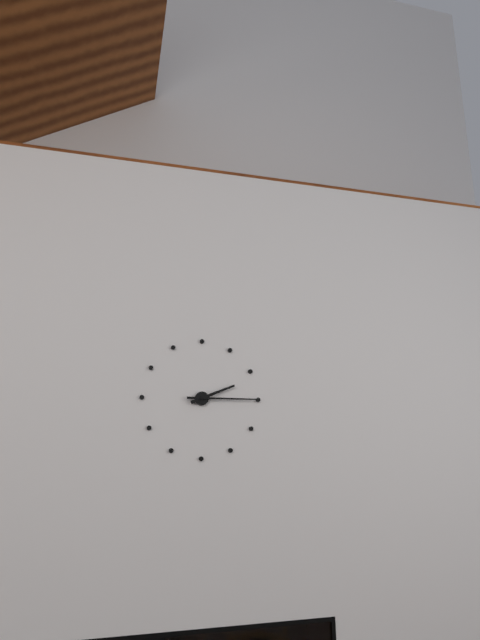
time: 2:15
